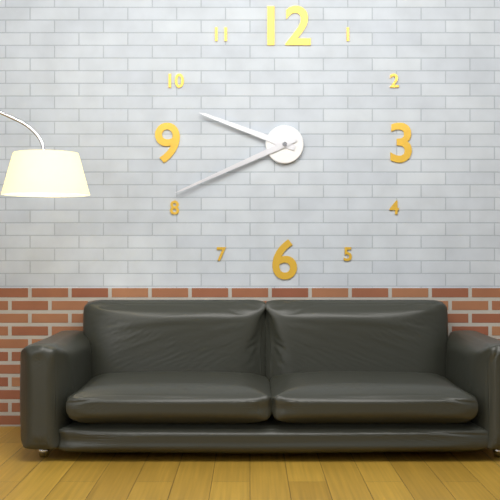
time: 9:41
